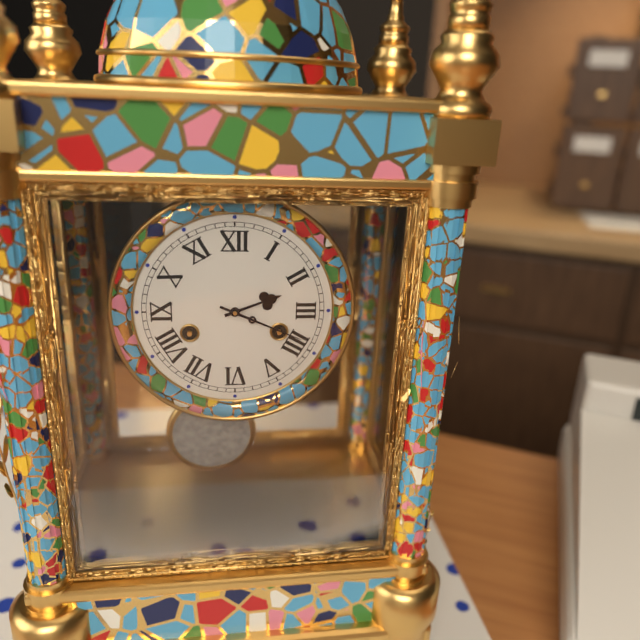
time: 2:19
